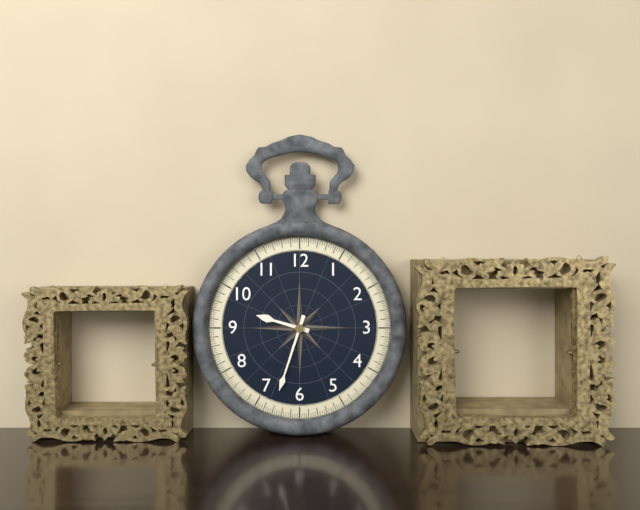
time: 9:33
